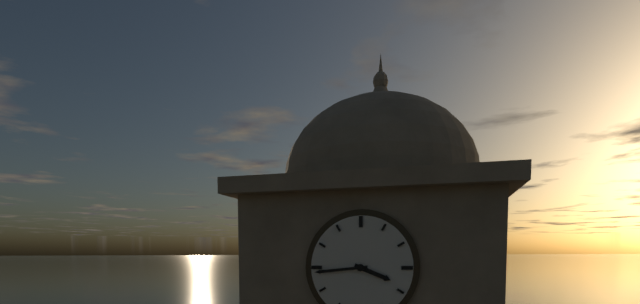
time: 3:44
